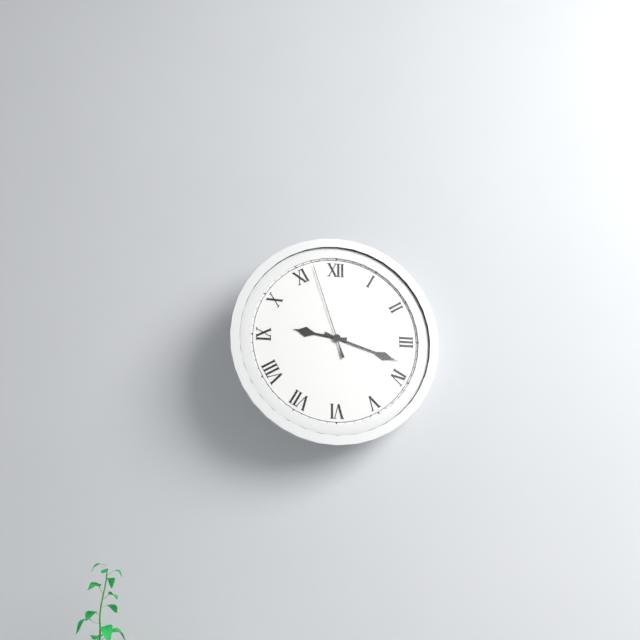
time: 9:18:57
